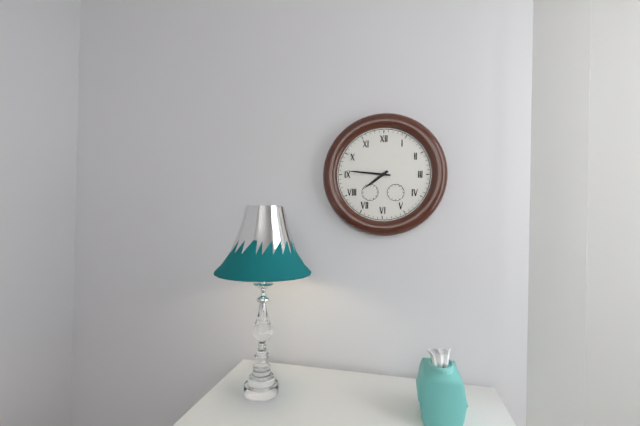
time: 7:46
